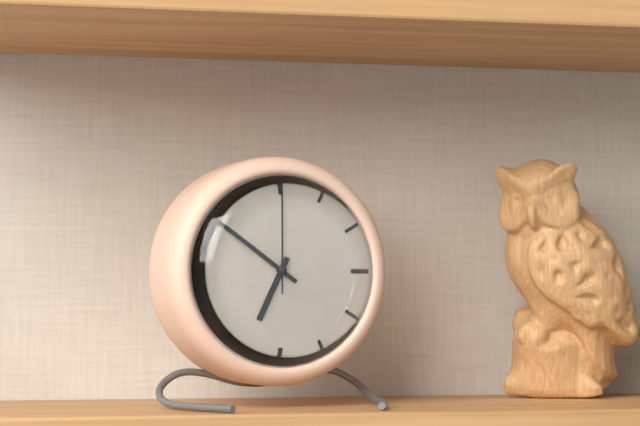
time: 6:51:00
